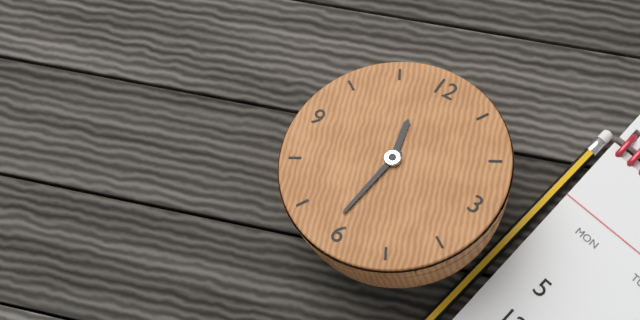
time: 11:31
